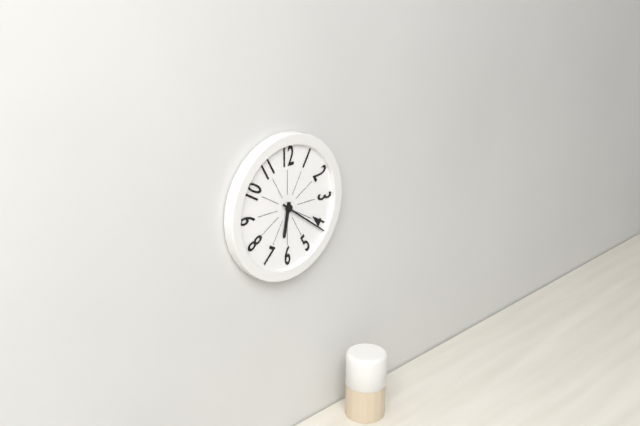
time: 6:21
